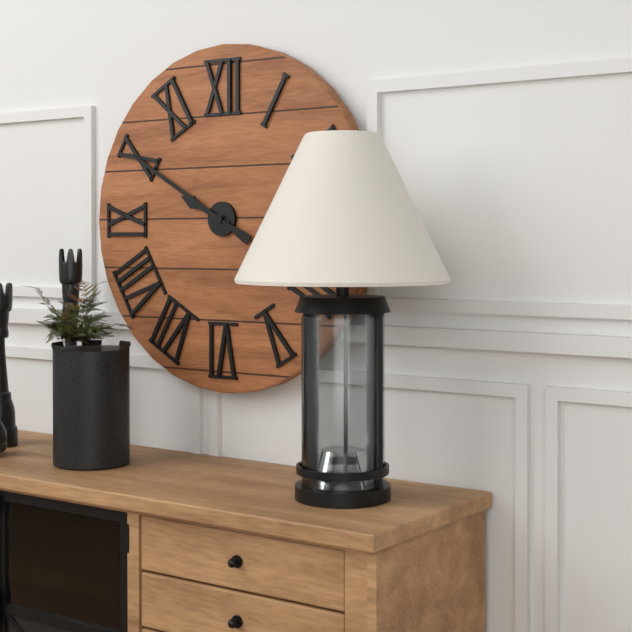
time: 9:50
